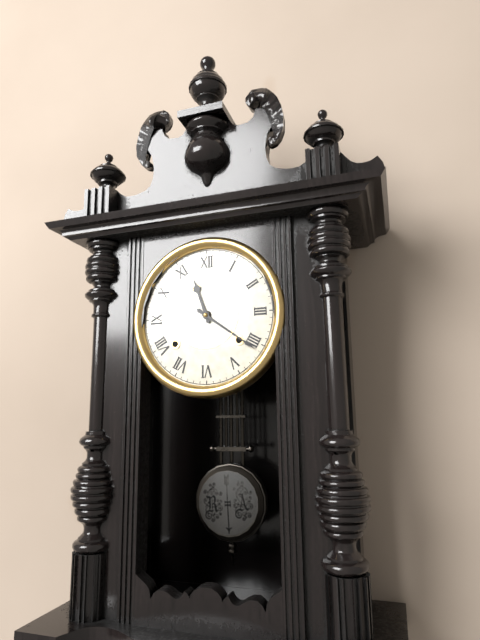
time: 11:21
